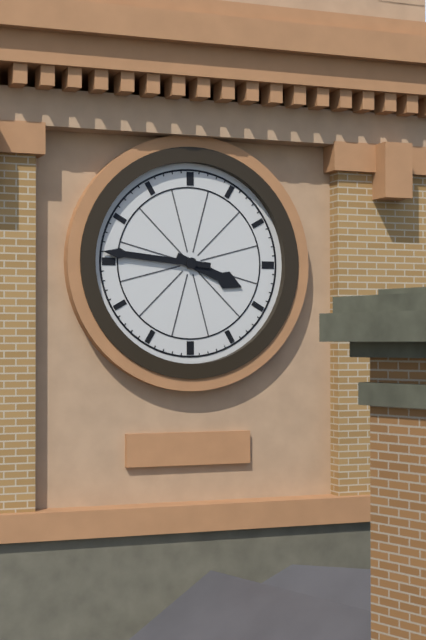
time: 3:46
